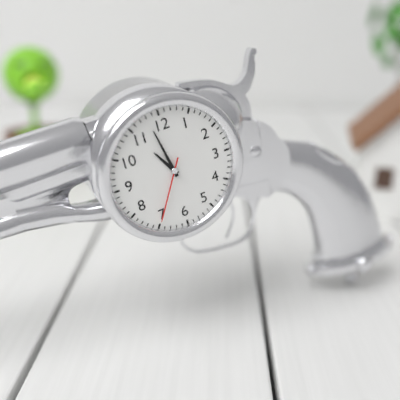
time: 10:58:35
